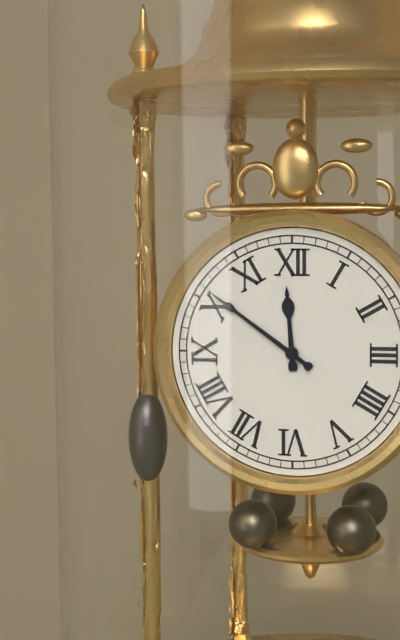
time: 11:51
